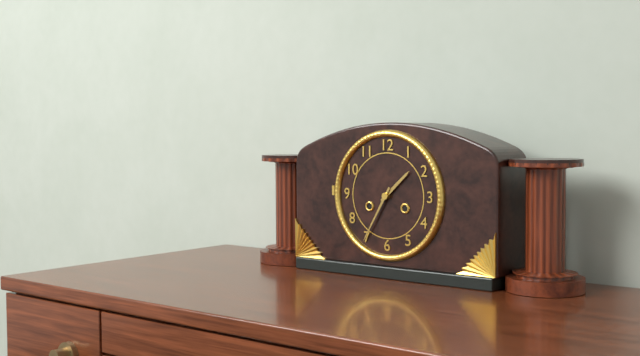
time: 1:35
